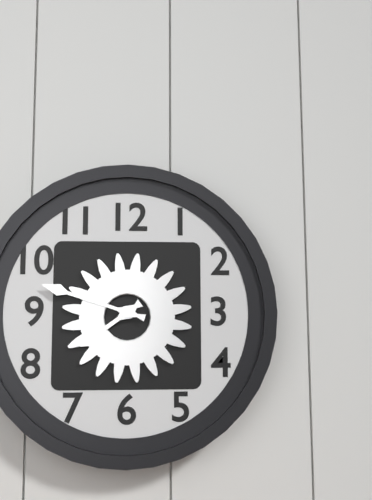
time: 7:48
